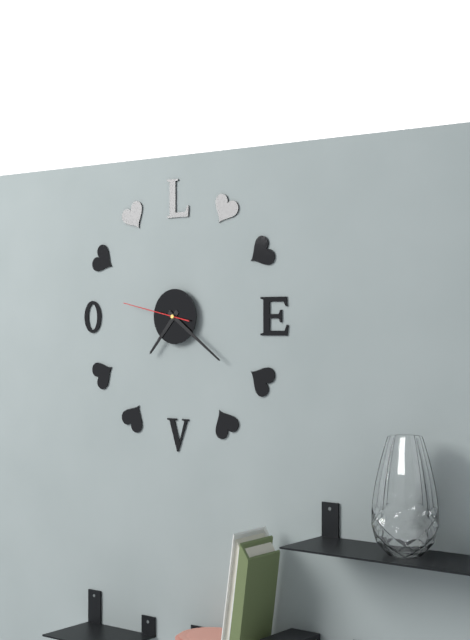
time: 7:21:47
